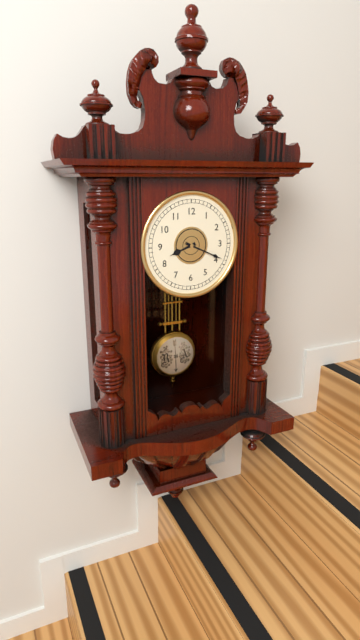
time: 8:19
